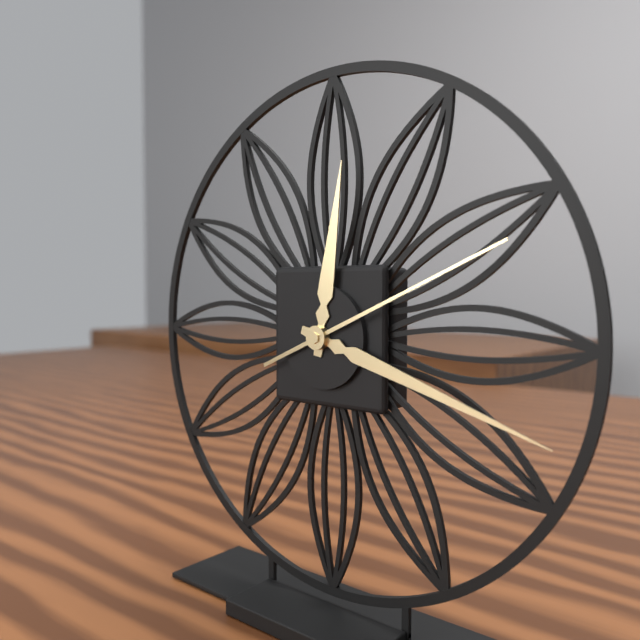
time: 12:18:11
